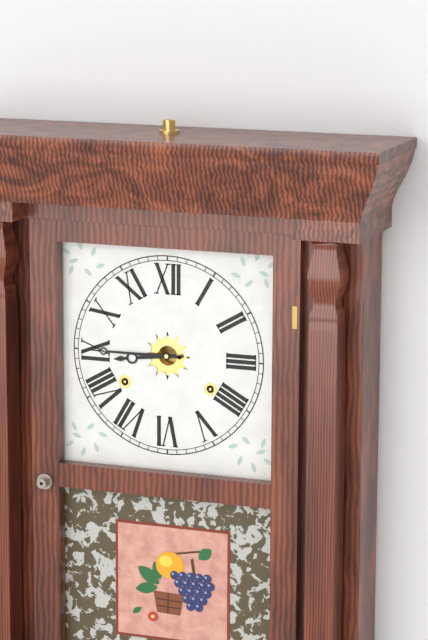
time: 8:45
